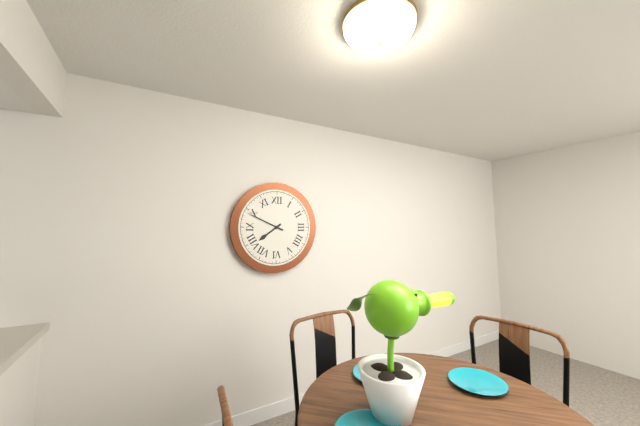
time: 7:49
